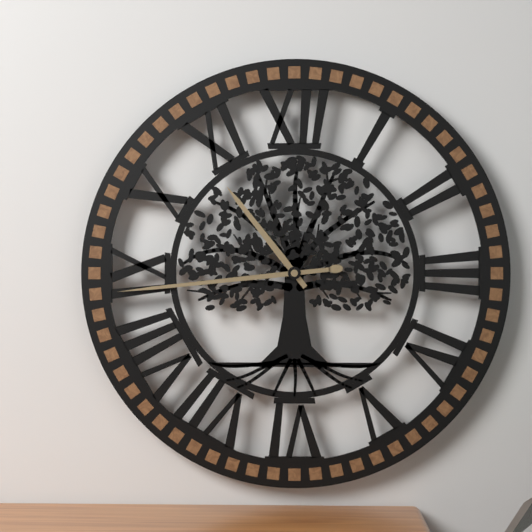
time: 10:44
